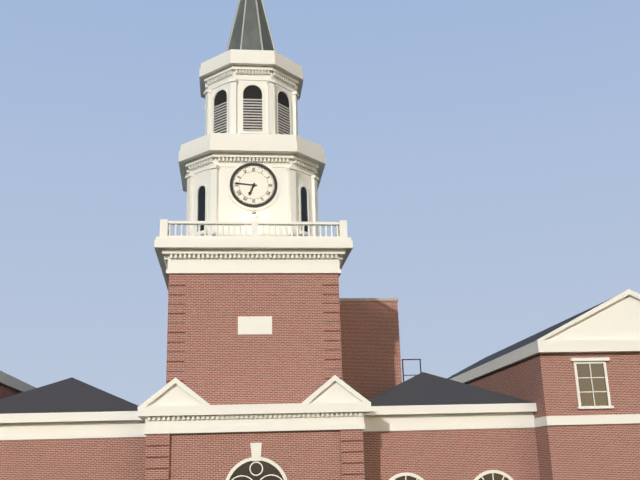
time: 6:46
